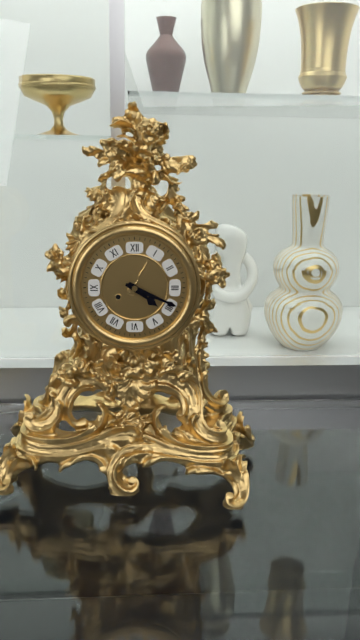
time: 4:19
